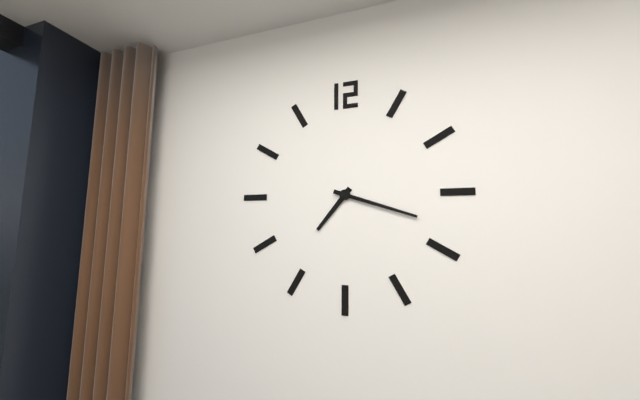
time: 7:18
